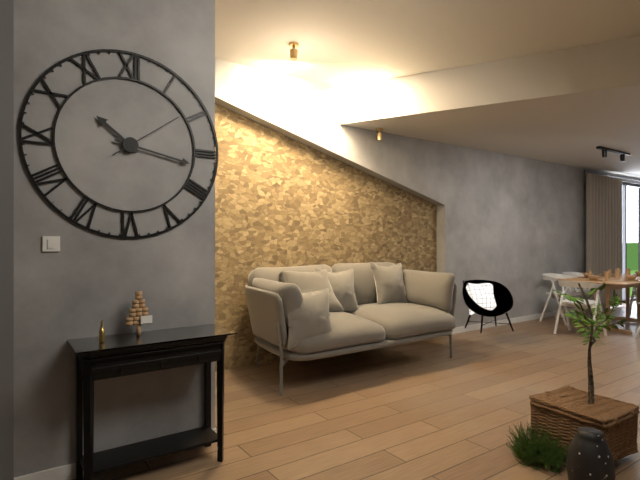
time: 10:17:09
